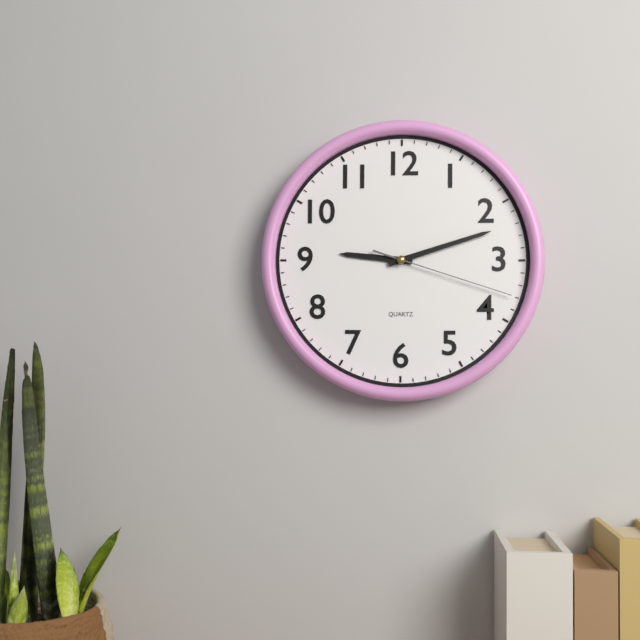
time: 9:12:18
